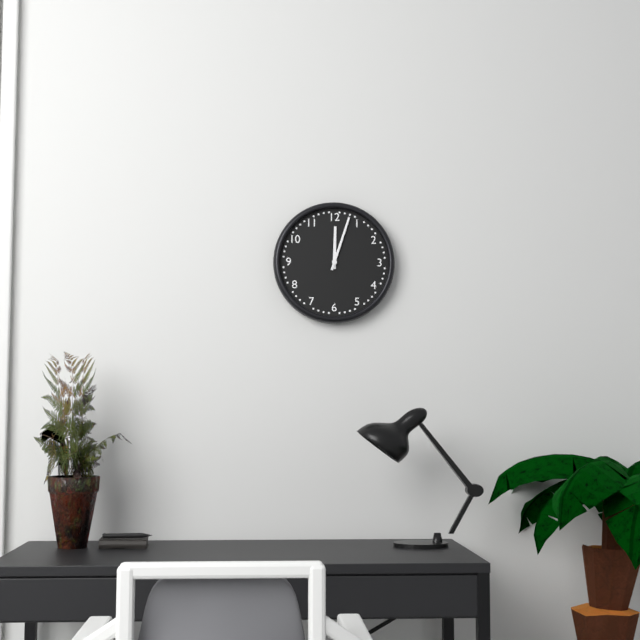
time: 12:03
